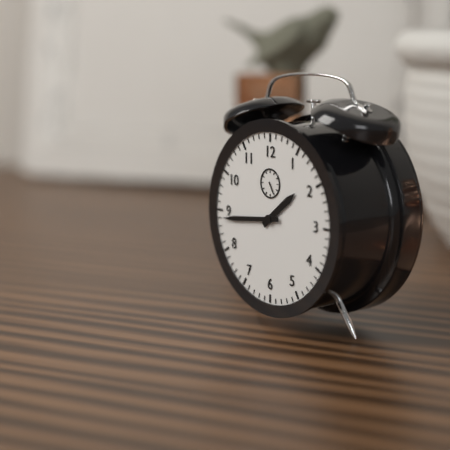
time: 1:44
